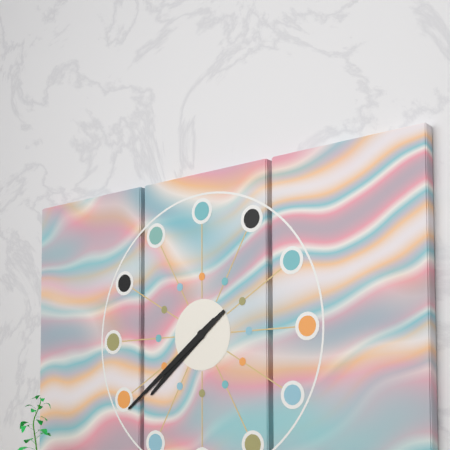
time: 7:39
